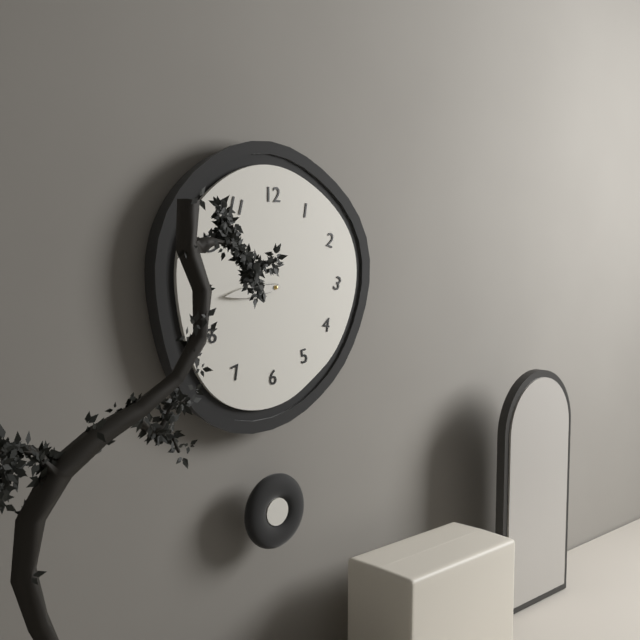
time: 8:44
